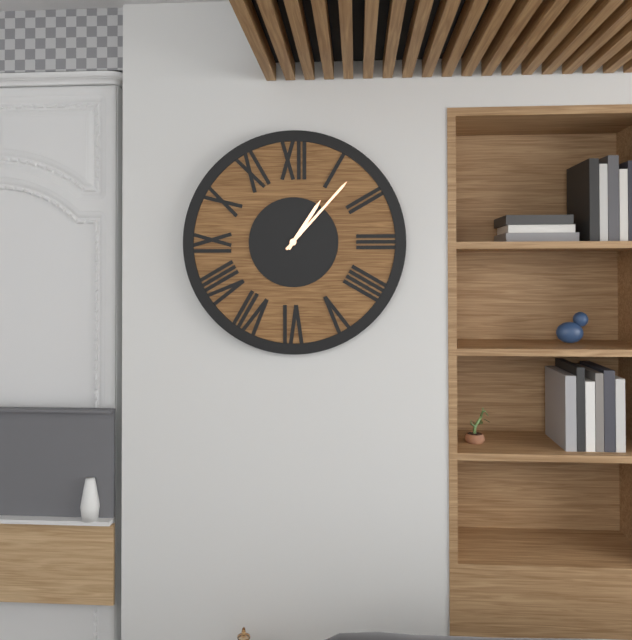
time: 1:07
